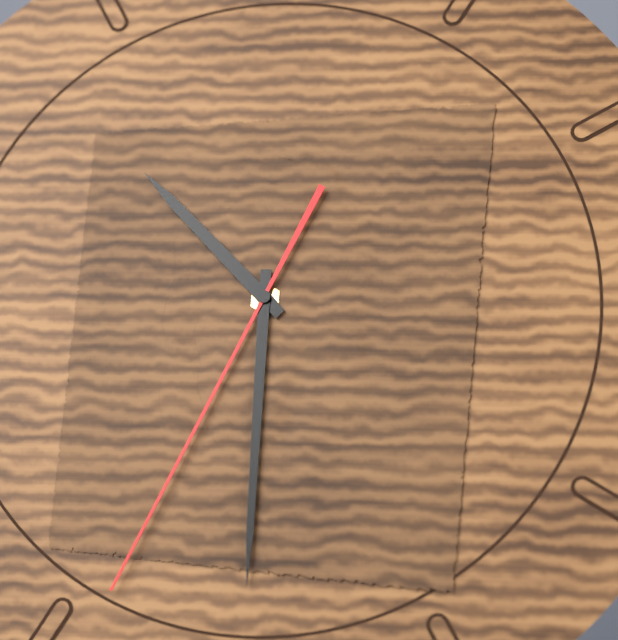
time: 10:30:34
